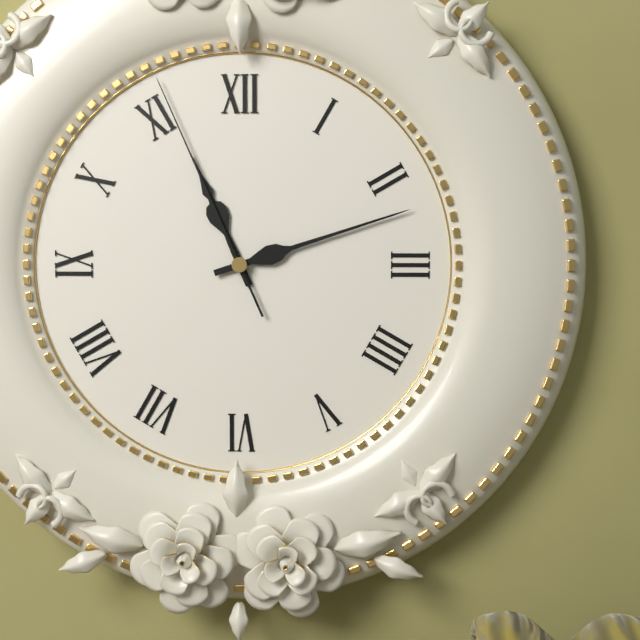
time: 11:12:56
